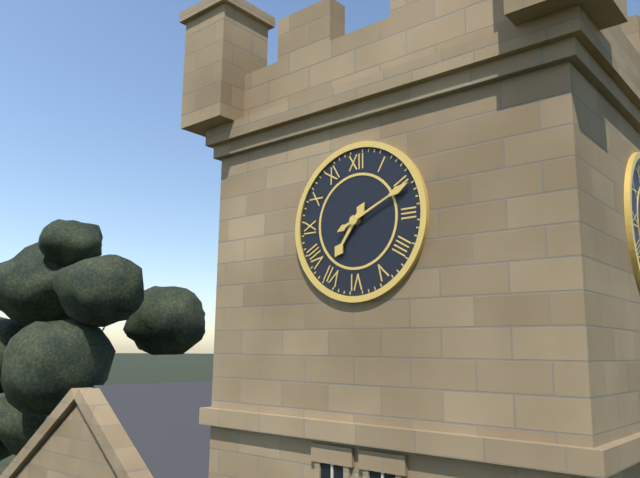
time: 7:11
